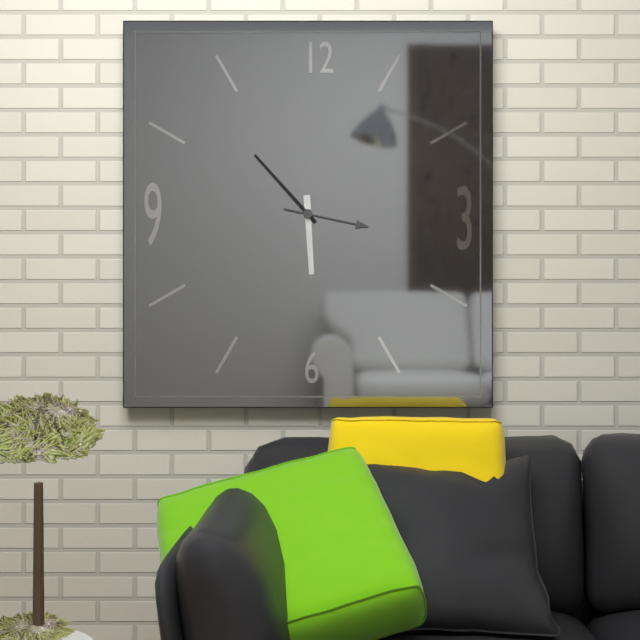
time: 5:53:17
